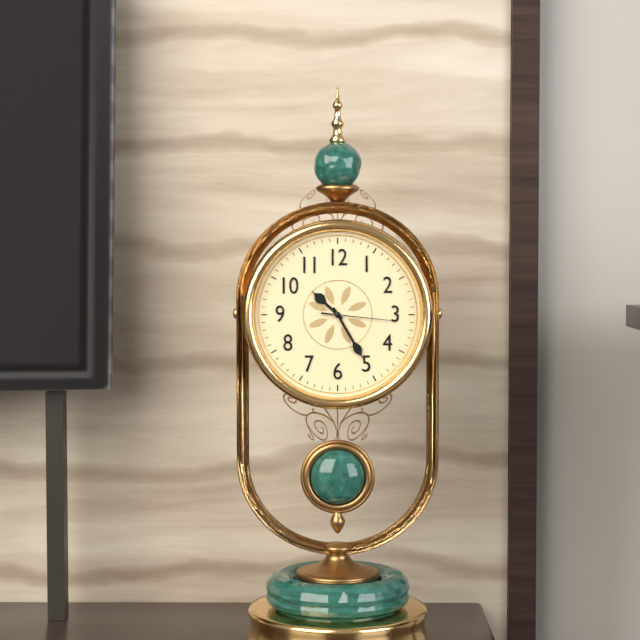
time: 10:25:16
